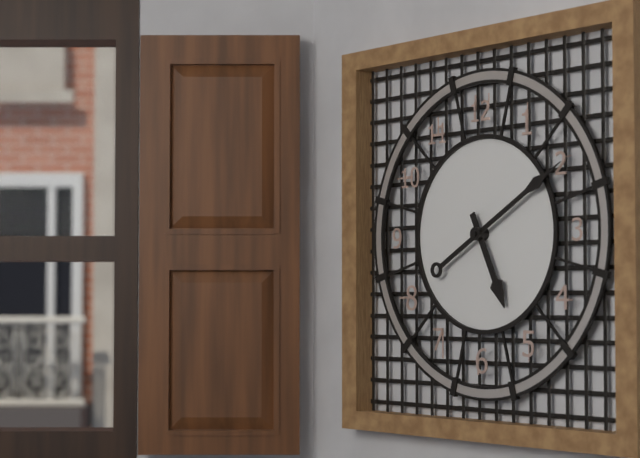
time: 5:10
